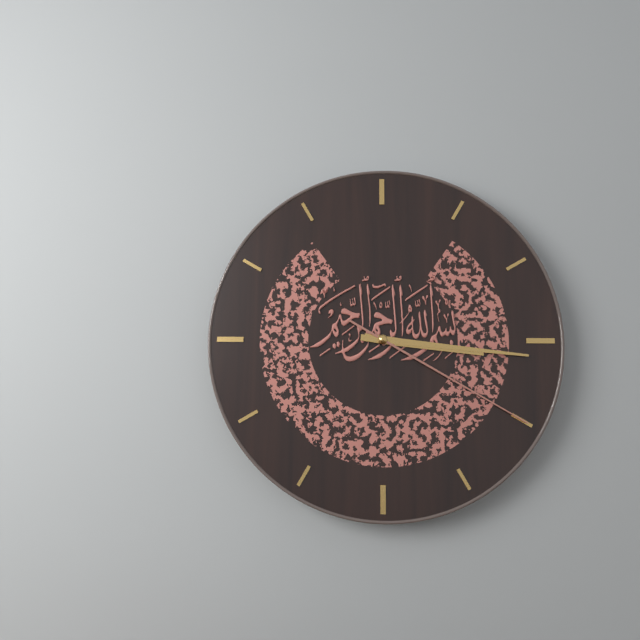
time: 3:16:20
